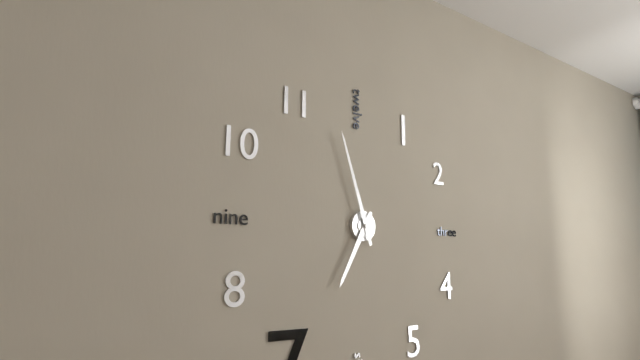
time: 6:57
